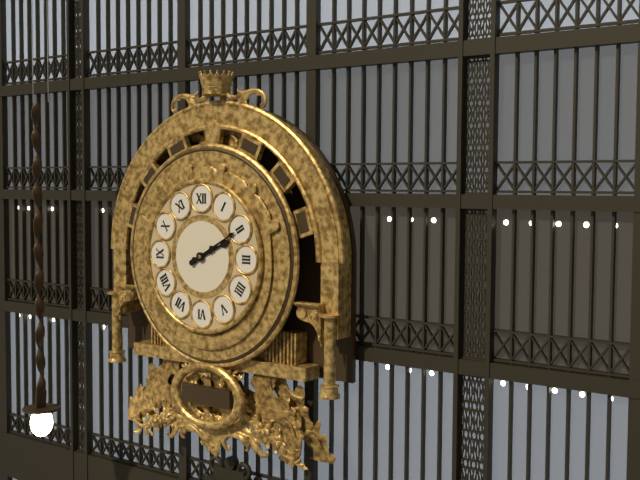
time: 2:10
